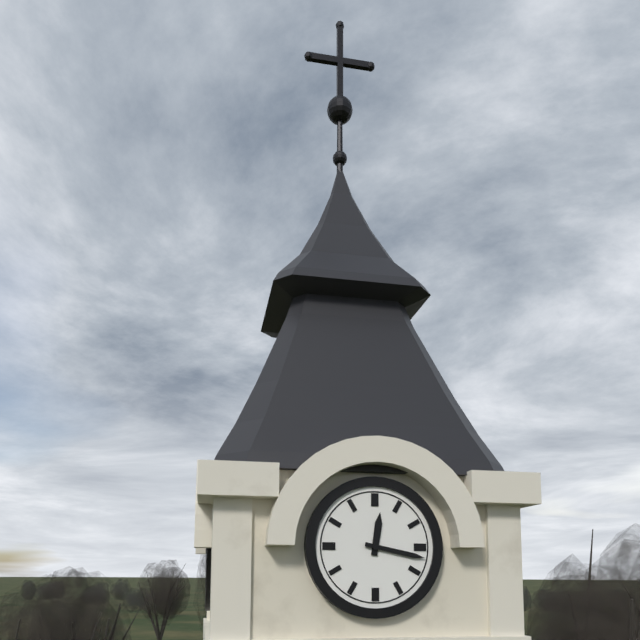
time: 12:17
